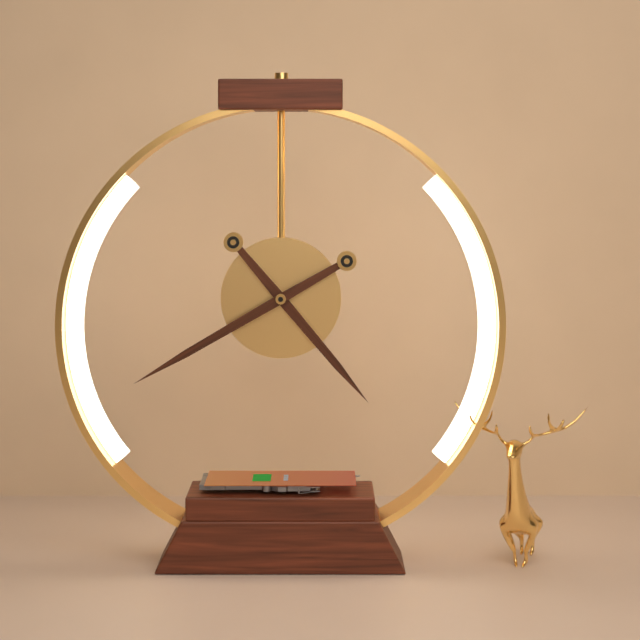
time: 4:40
